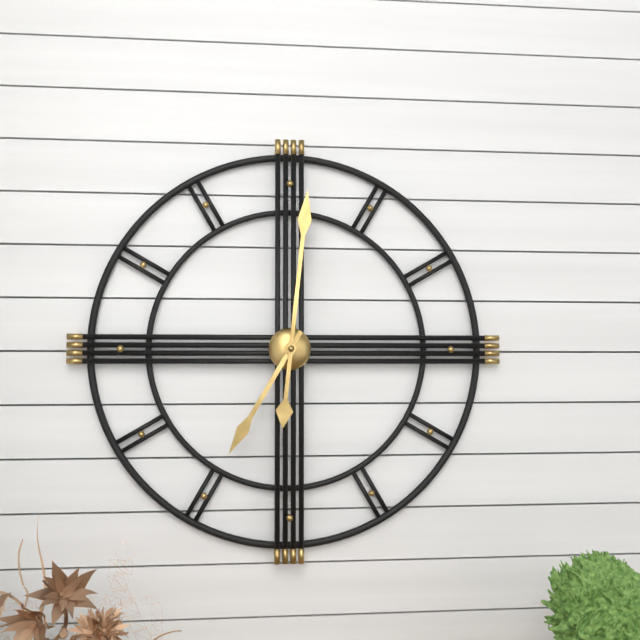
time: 7:01
